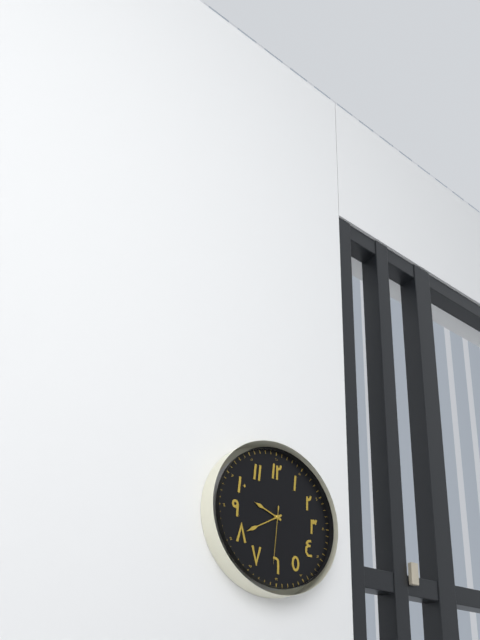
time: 9:40:31
